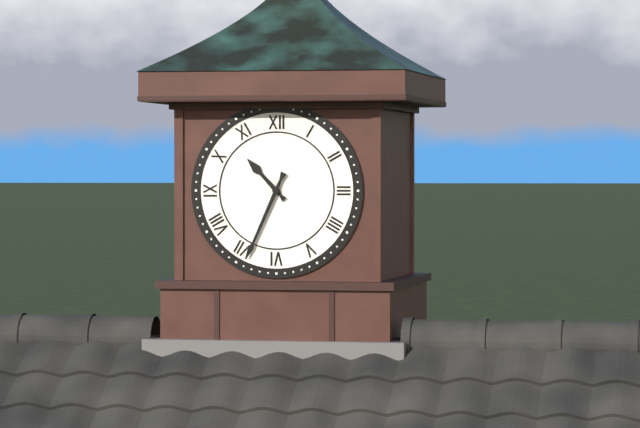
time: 10:34
